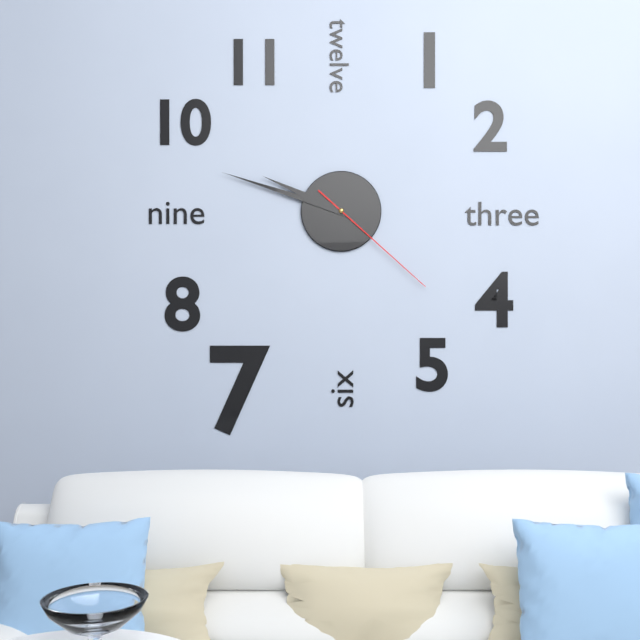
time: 9:48:22
